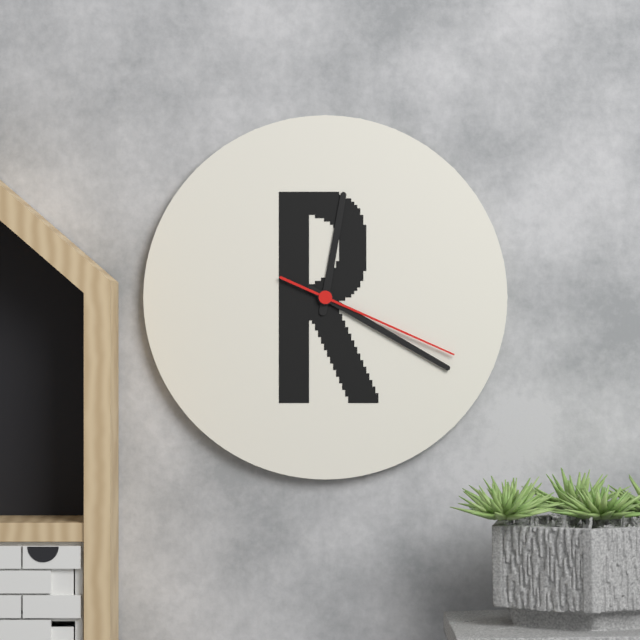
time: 12:20:19
